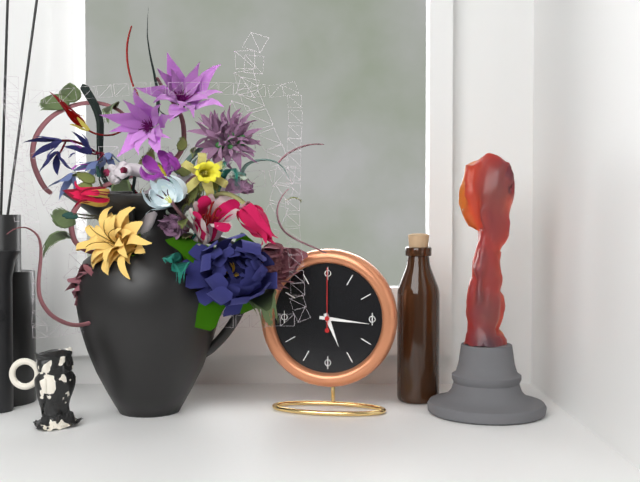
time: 5:16:00
